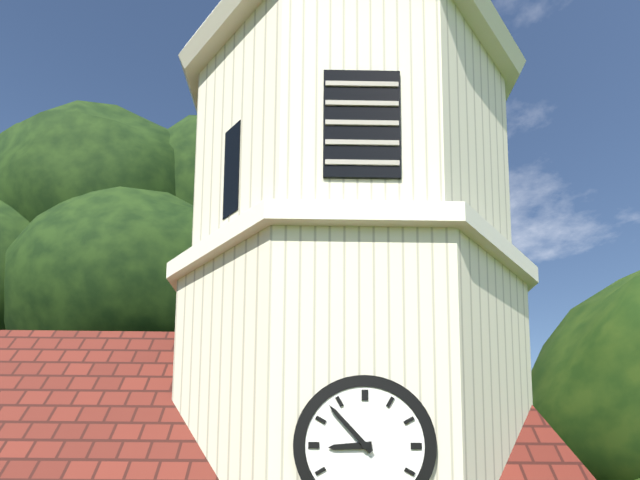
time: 8:53
